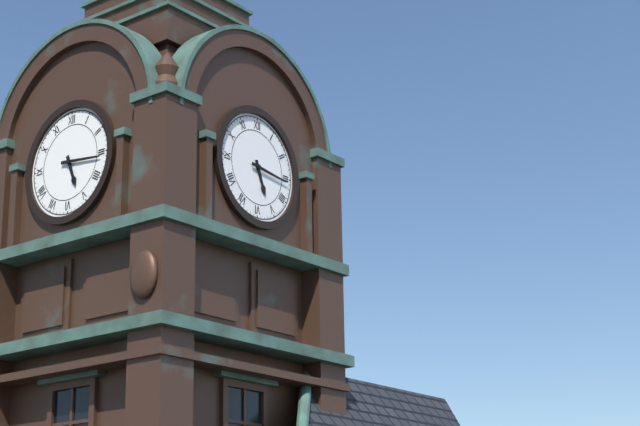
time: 5:16
